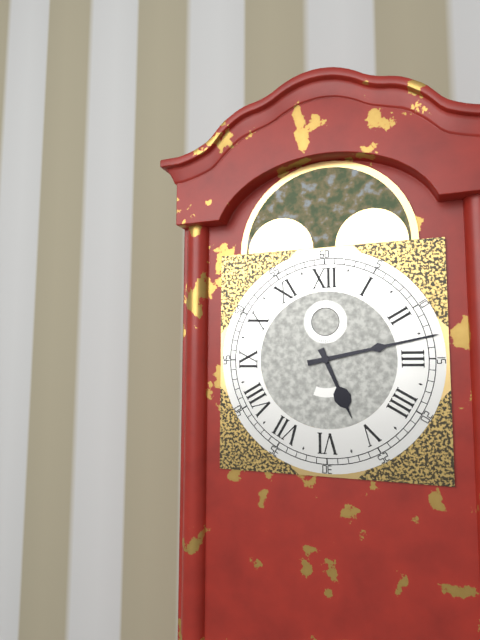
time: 5:13
